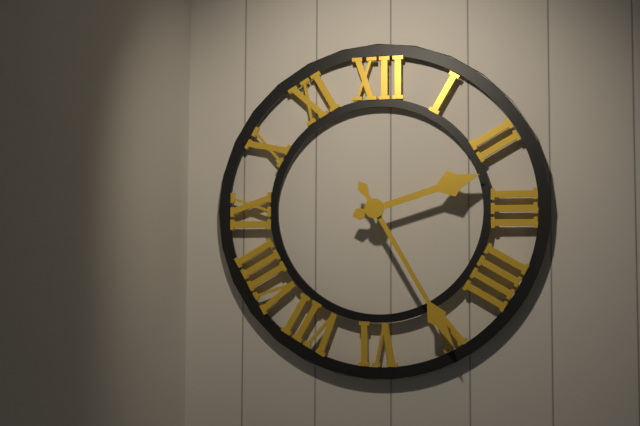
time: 2:25
